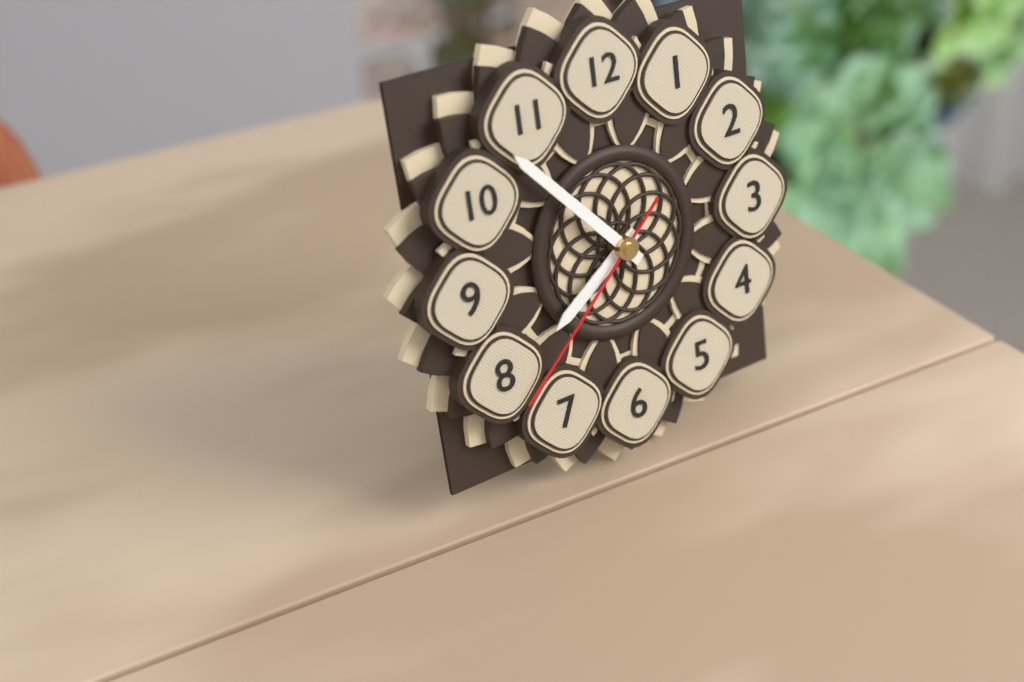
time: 7:53:38
